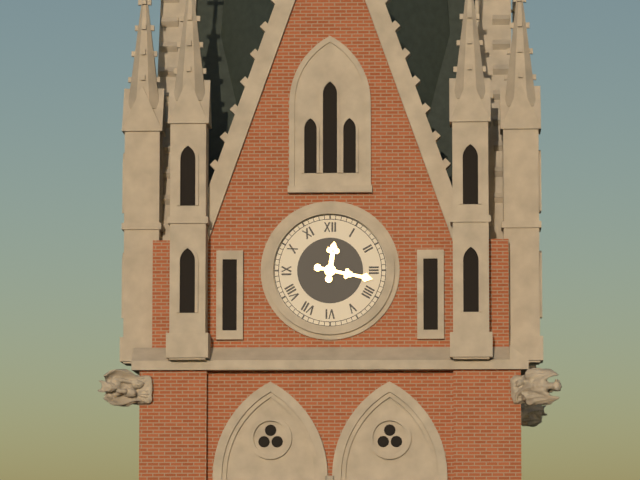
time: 12:17
